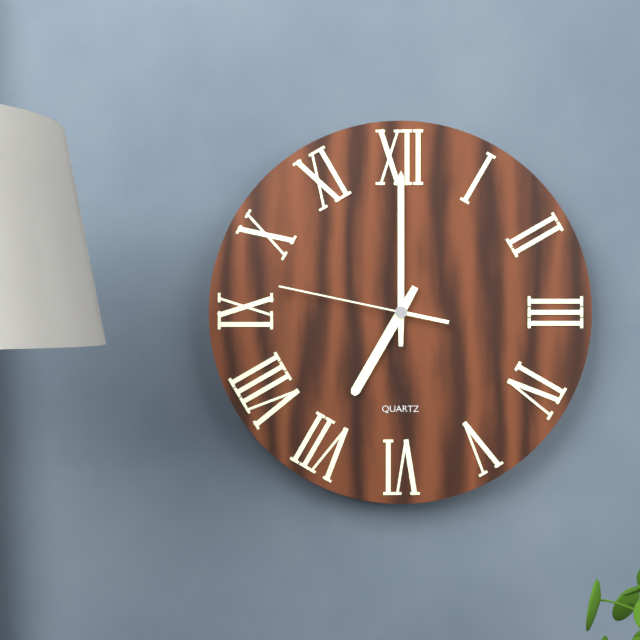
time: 7:00:47
